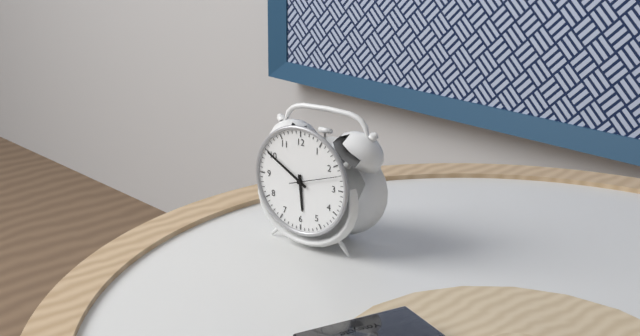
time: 5:50
